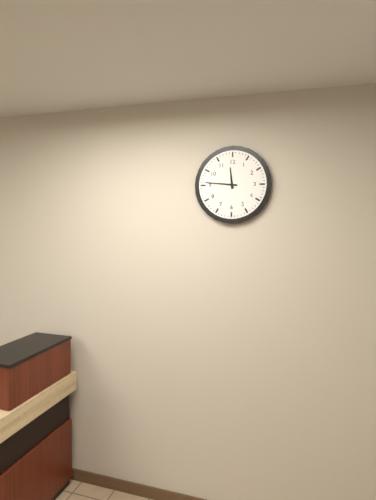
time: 11:46
